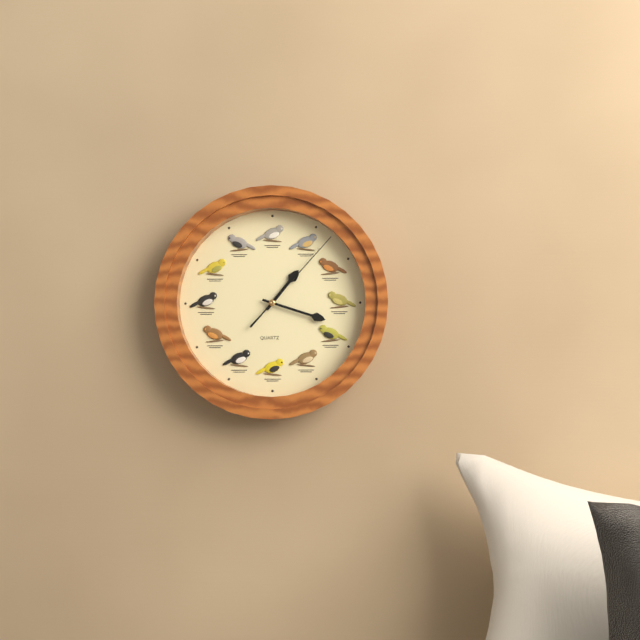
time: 1:18:07
